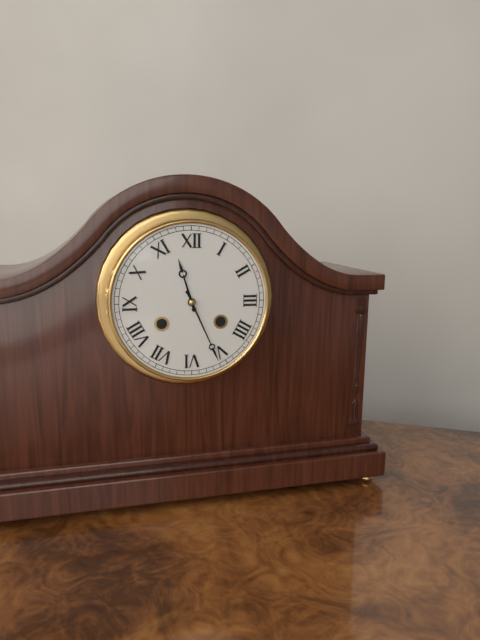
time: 11:26
